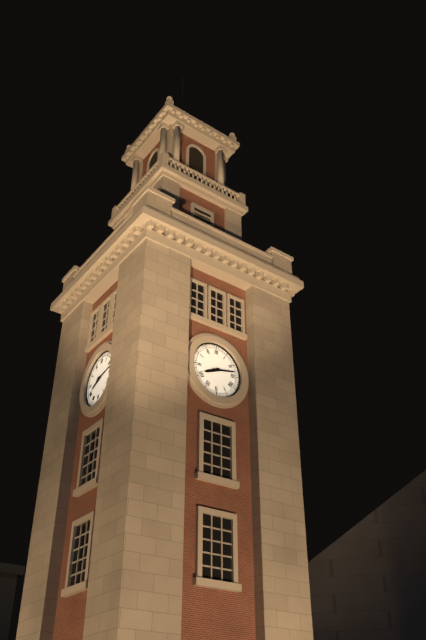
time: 8:13
